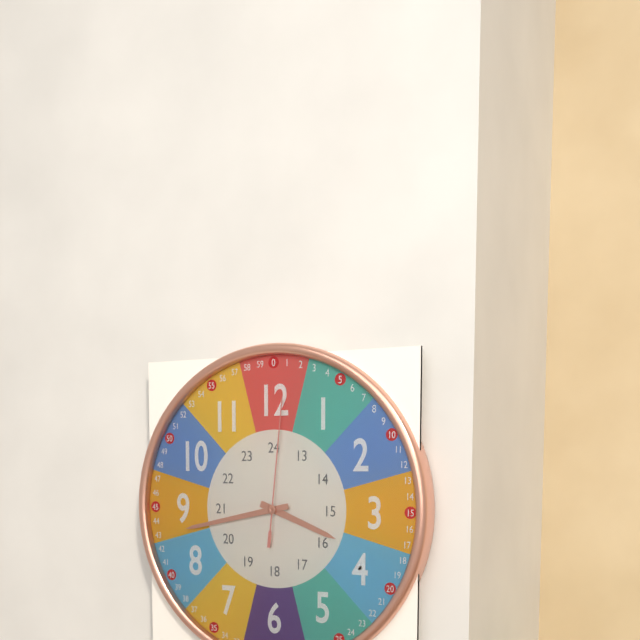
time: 3:43:01
